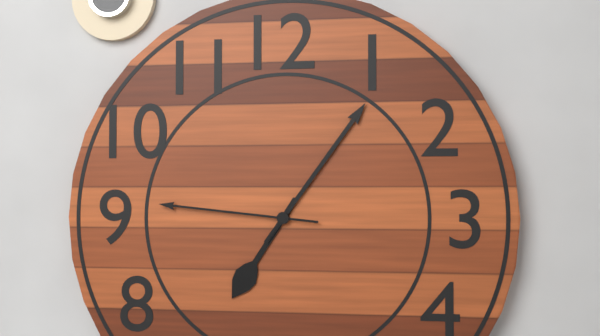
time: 7:06:46
